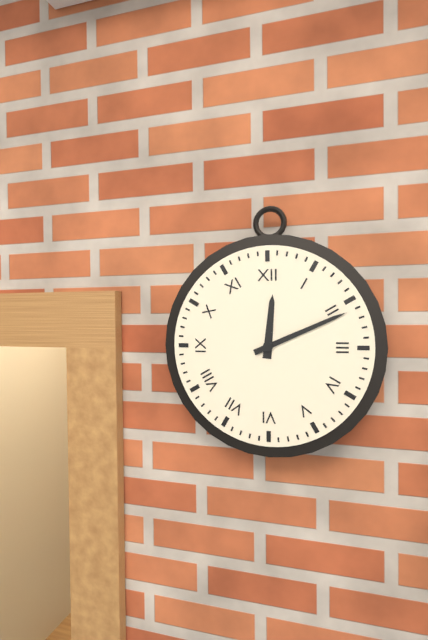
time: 12:11
